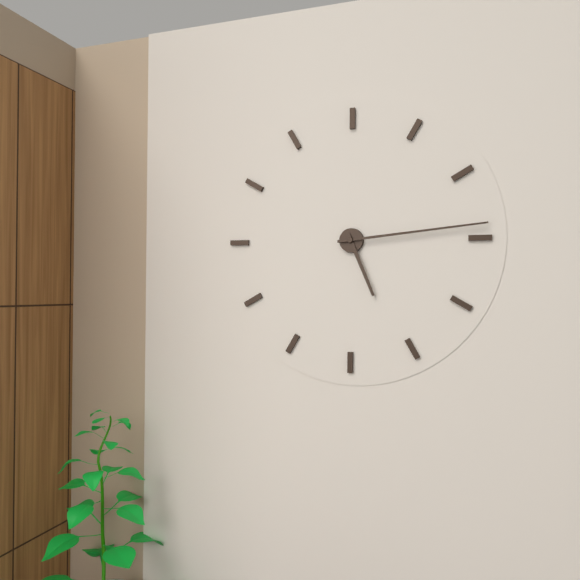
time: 5:14
